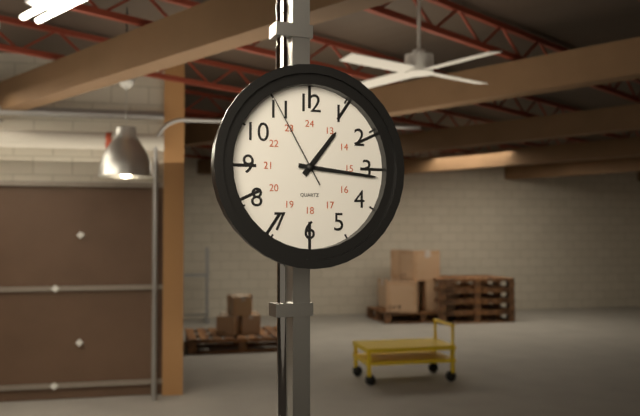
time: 1:16:55
